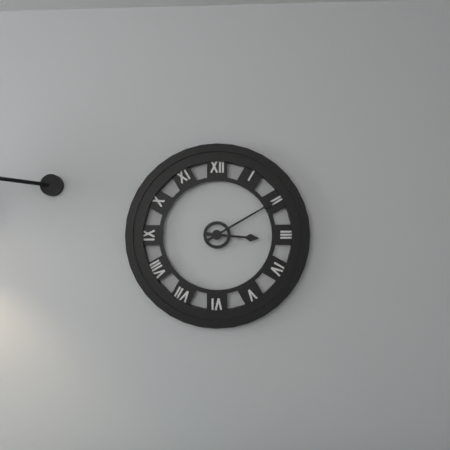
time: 3:10
